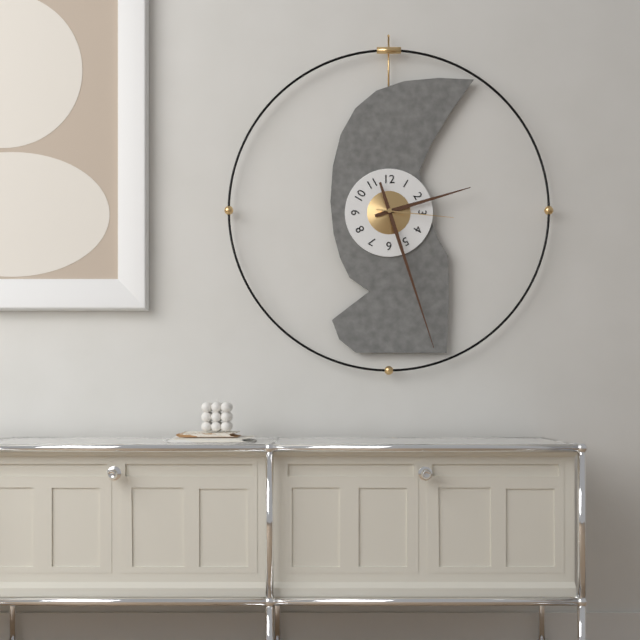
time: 2:27:16
